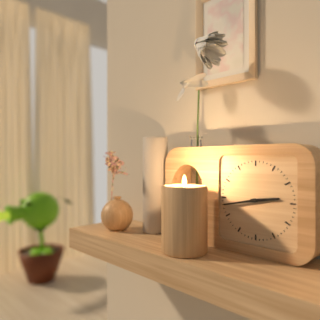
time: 2:43
